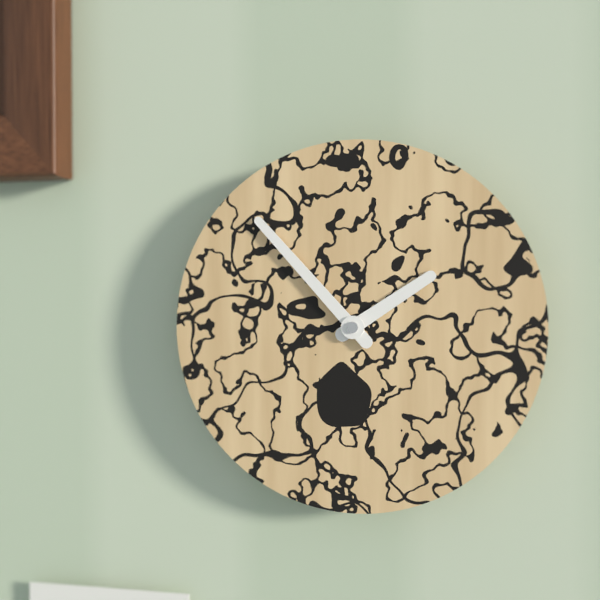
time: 1:53
